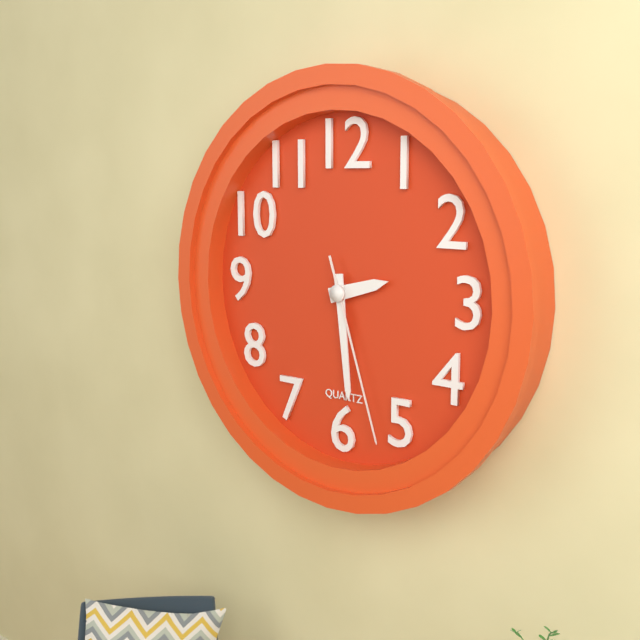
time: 2:29:27
